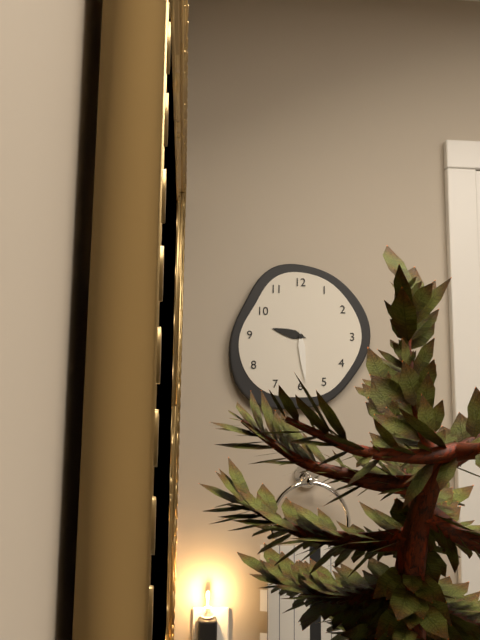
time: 9:29
